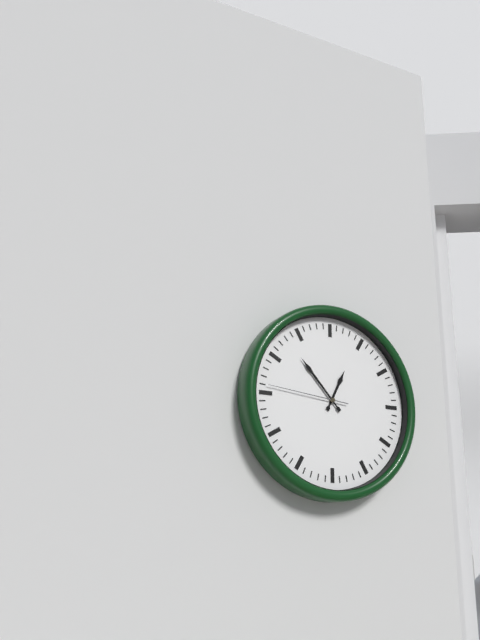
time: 12:53:46
